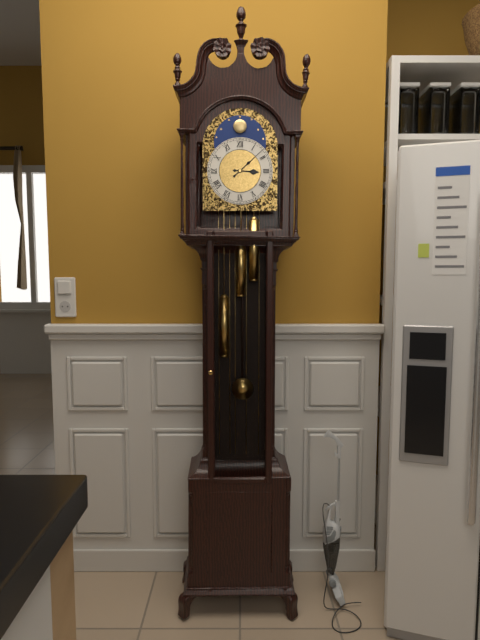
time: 3:08
